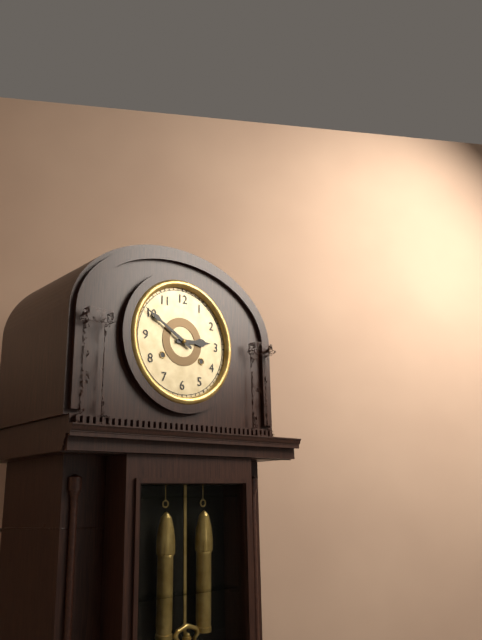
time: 2:50
